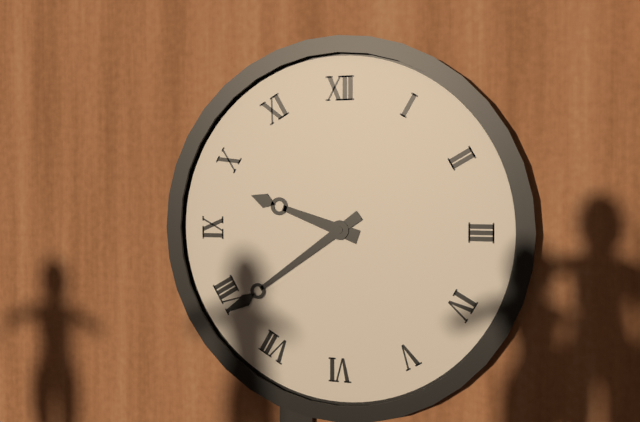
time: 9:39
